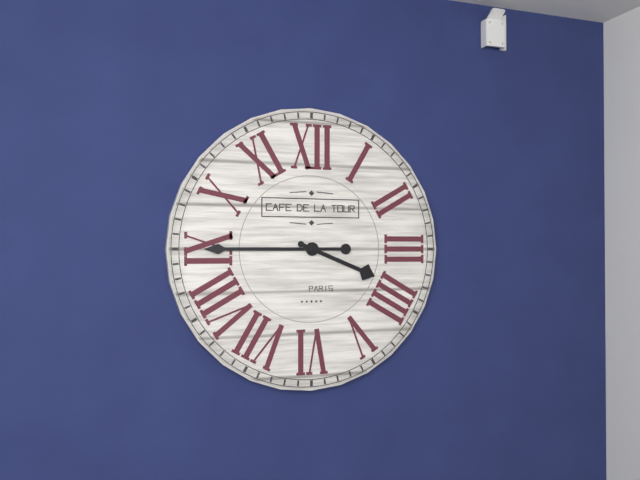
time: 3:45
